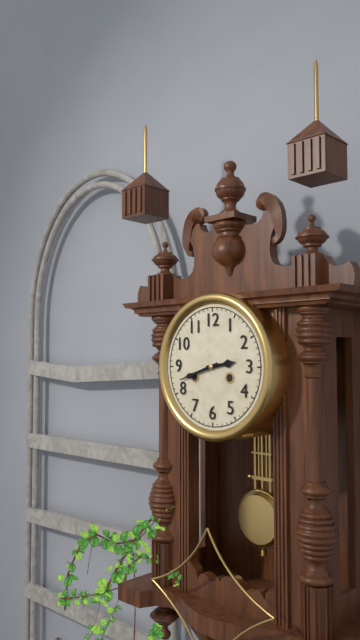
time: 2:42
